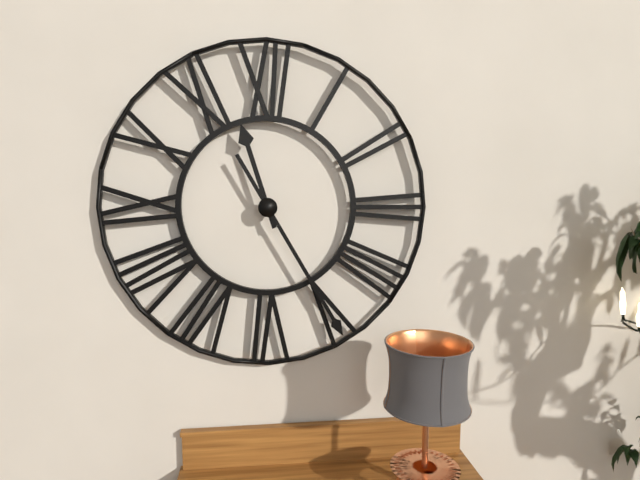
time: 11:25
